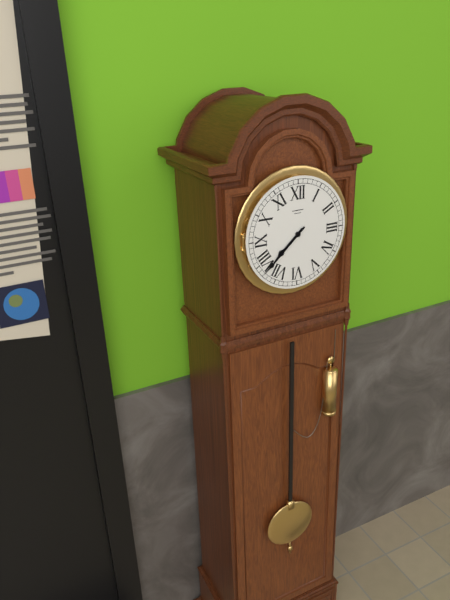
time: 7:38
